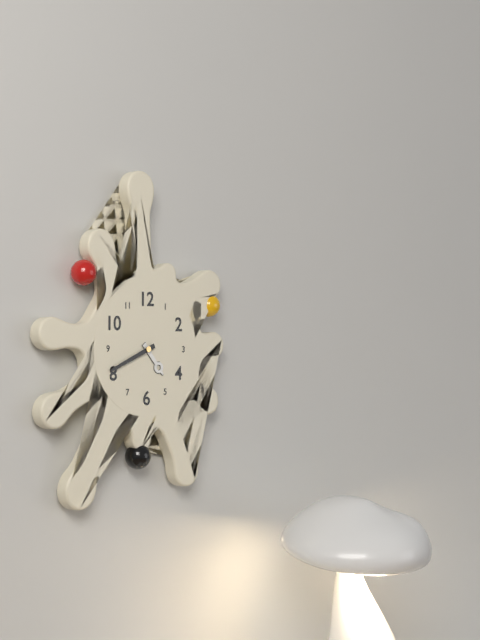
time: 4:41
